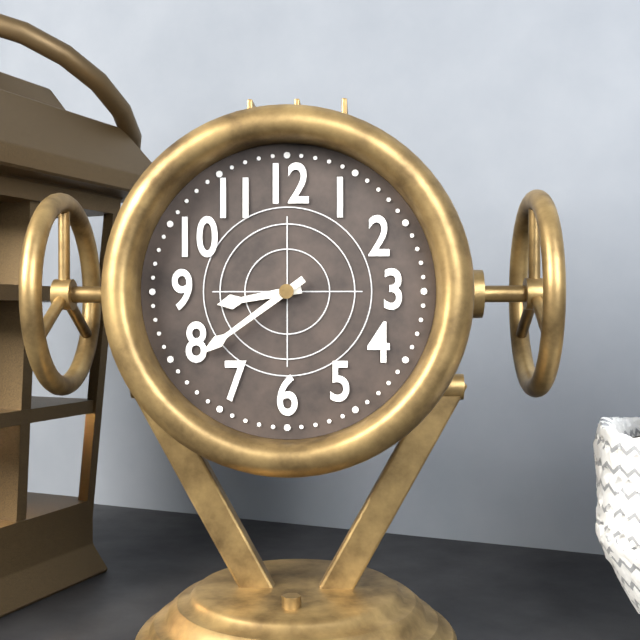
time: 8:39
